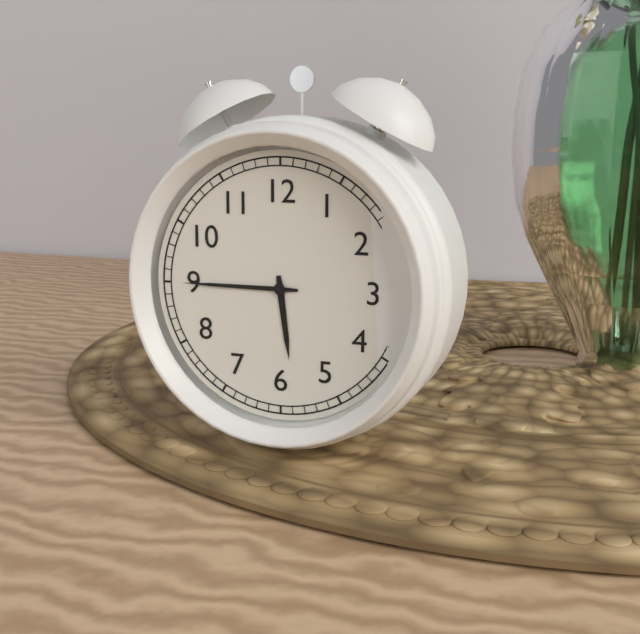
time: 5:45
